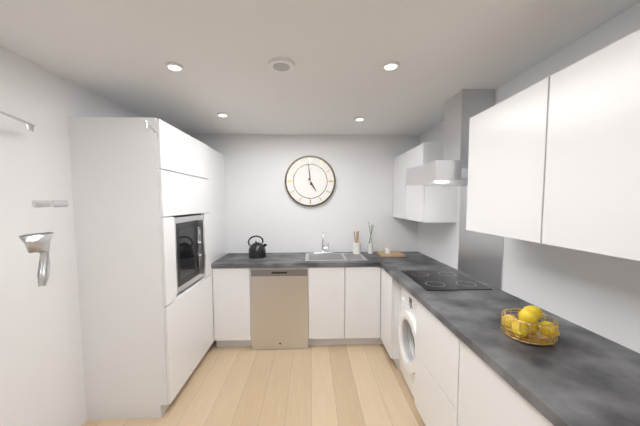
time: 4:59
